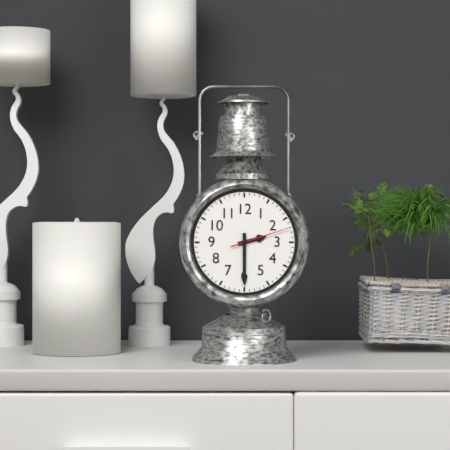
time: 2:30:12
